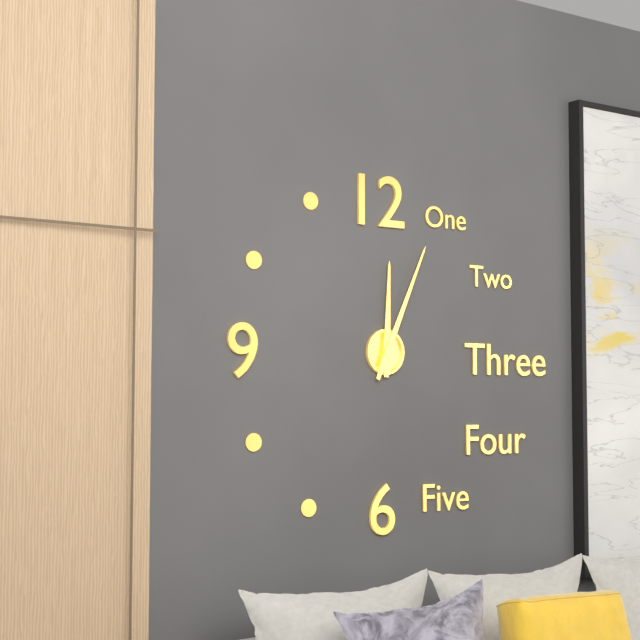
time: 12:04
